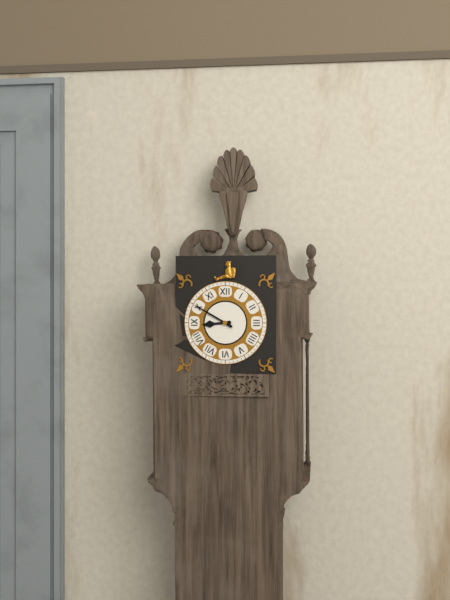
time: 8:50
